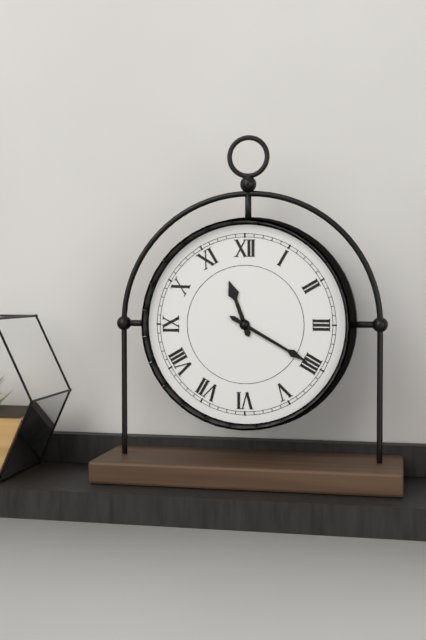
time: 11:20
